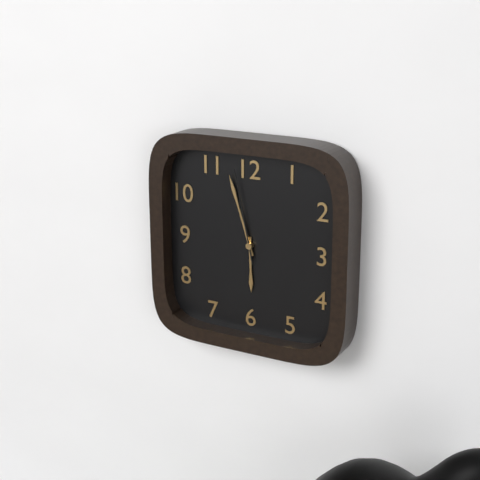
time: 5:57:58
